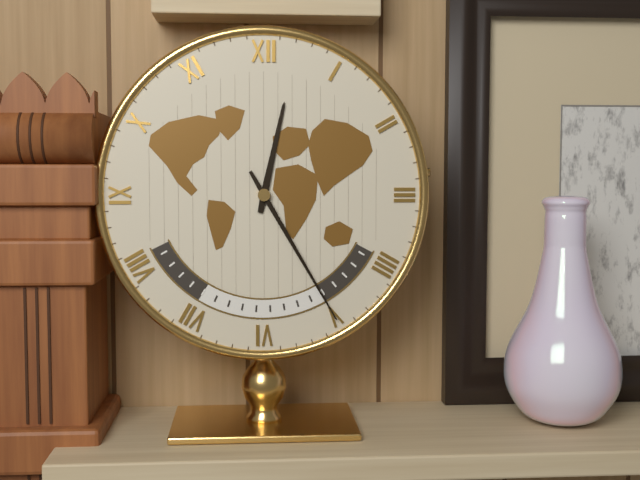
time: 12:25
